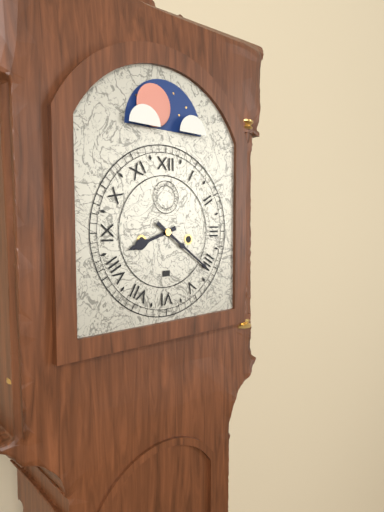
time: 8:21
